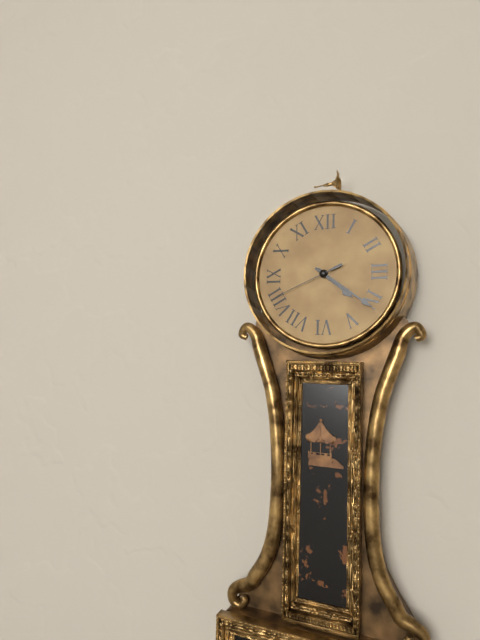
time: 4:21:41
